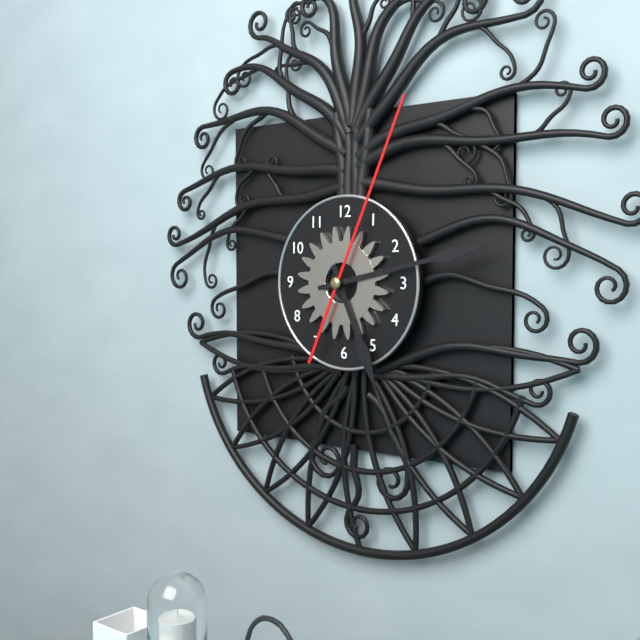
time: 5:13:04
